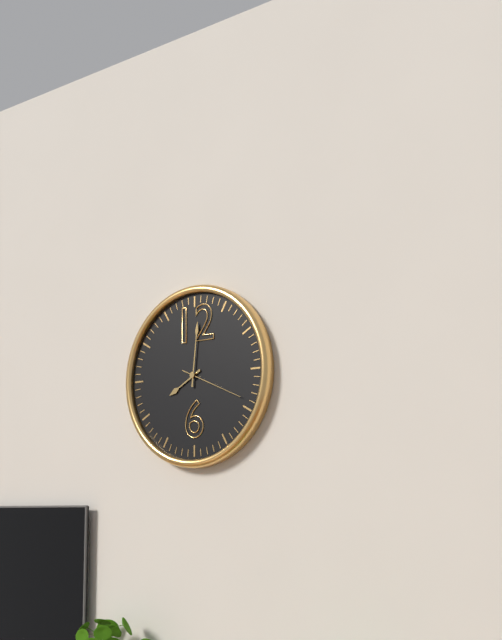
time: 8:01:19
